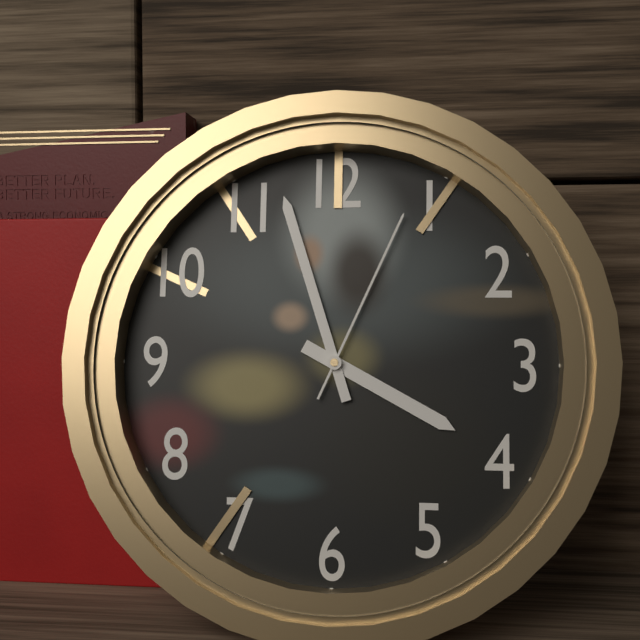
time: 3:57:04
